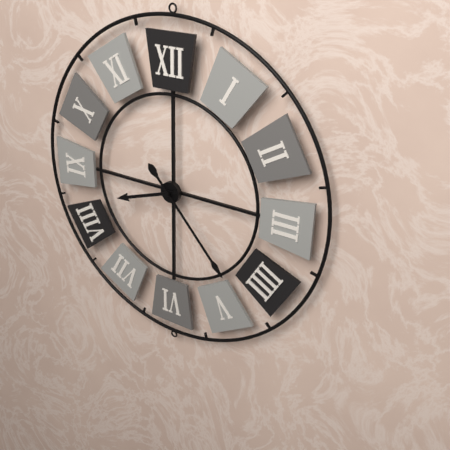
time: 8:23
